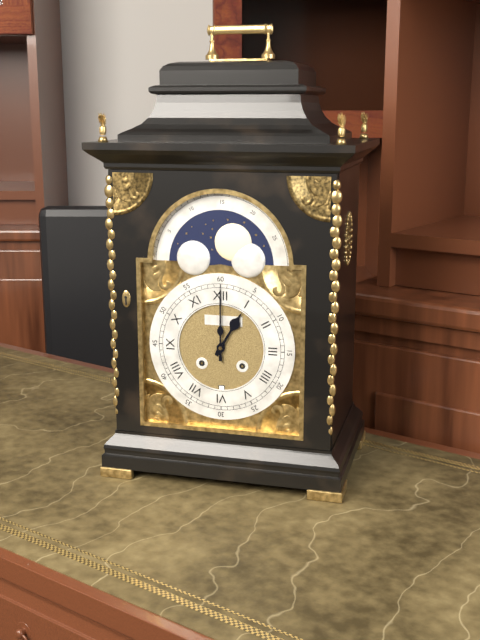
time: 1:00
